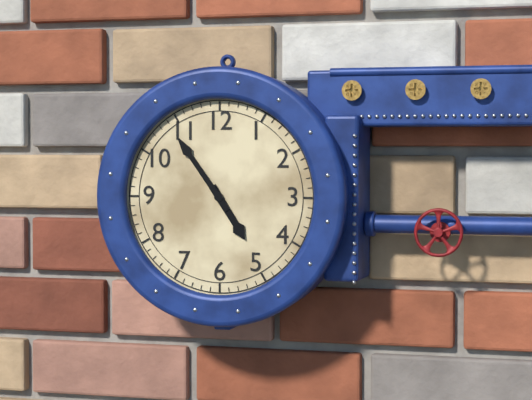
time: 4:54
